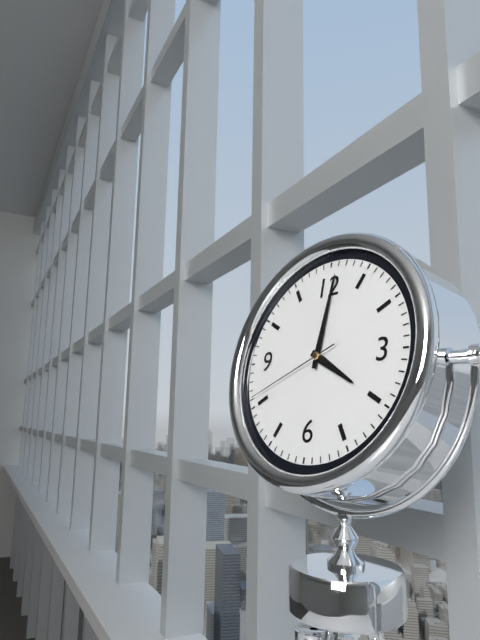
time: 4:01:41
